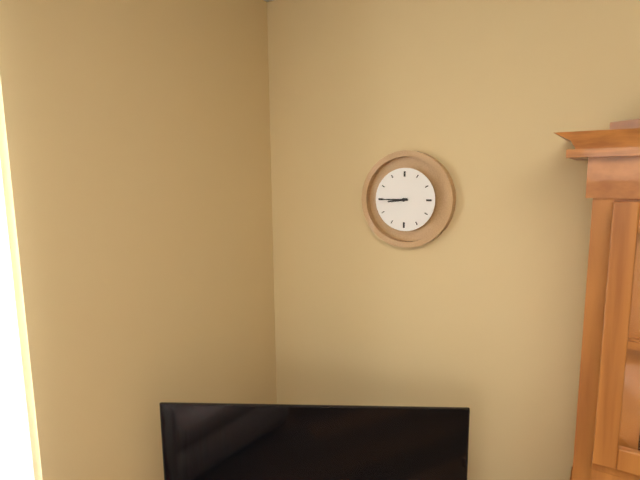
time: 8:45
